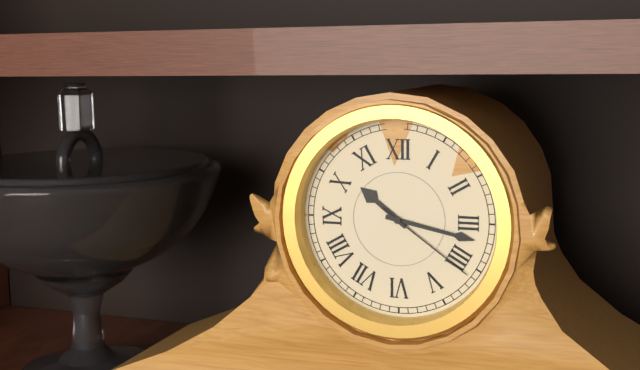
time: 10:17:21
